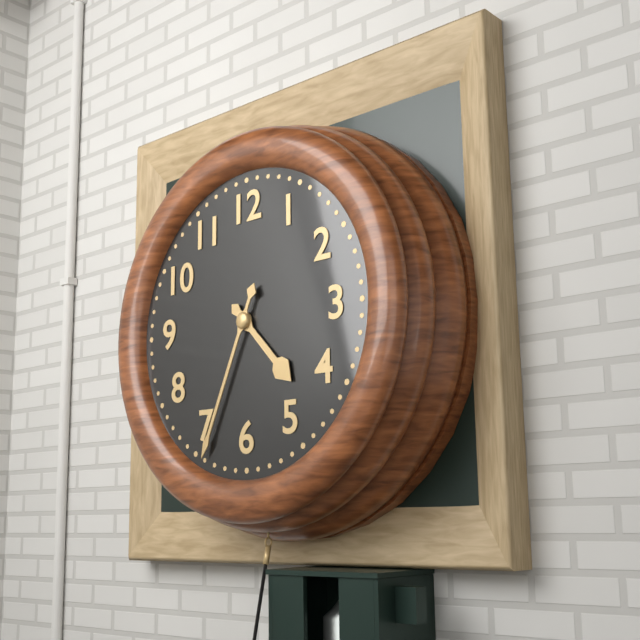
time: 4:34
